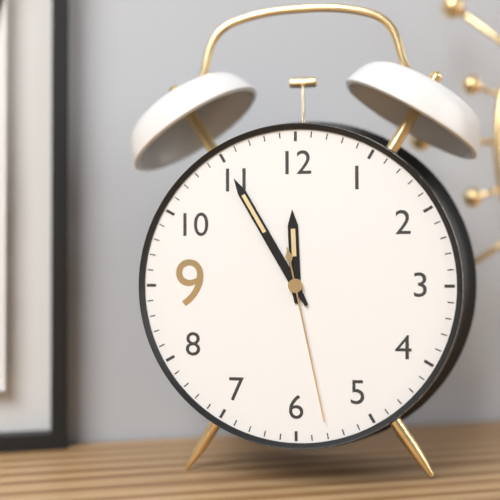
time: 11:55:28
